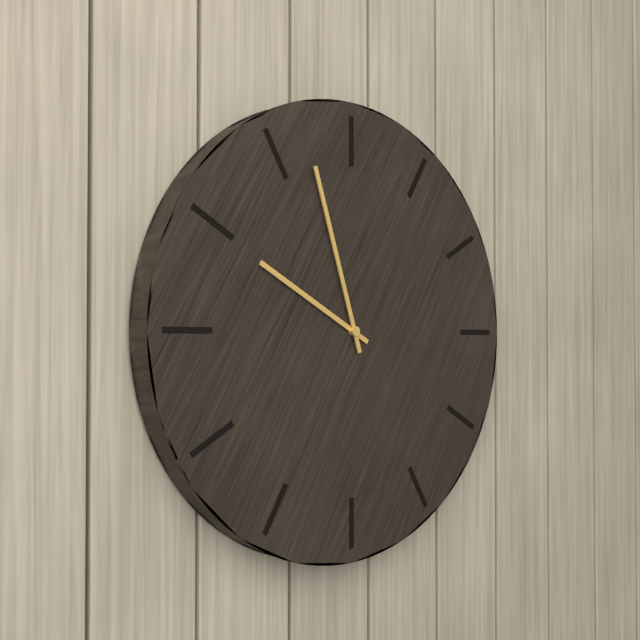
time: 9:57
